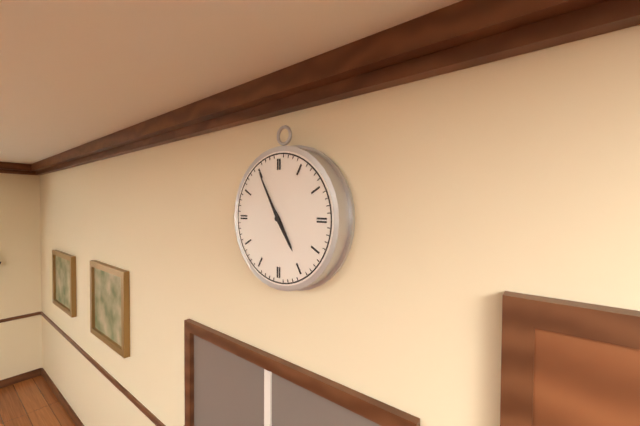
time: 4:55
